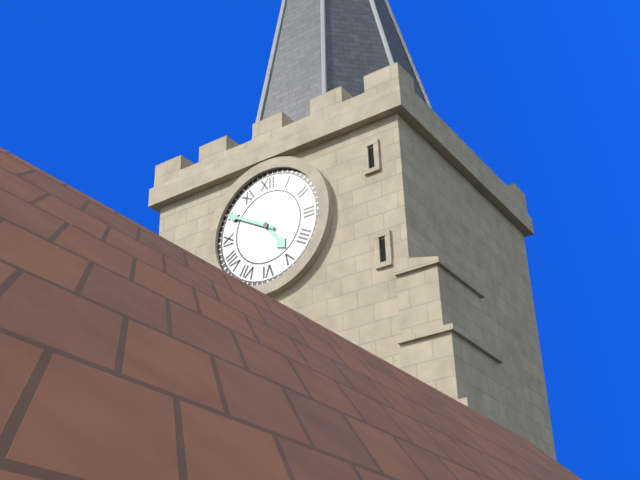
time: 4:50
